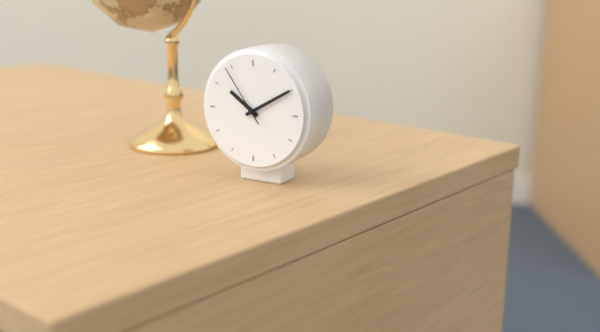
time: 10:10:54
